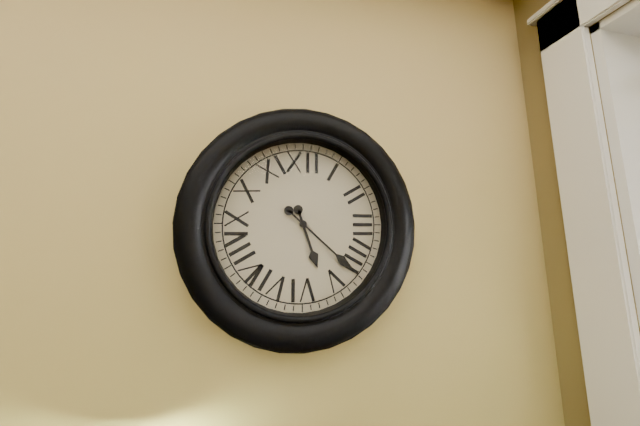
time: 5:22
